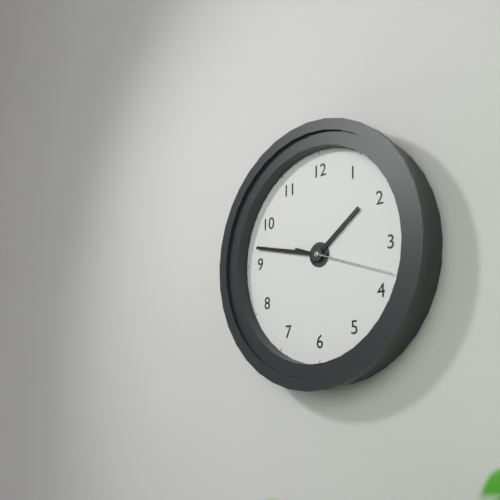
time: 1:47:18
